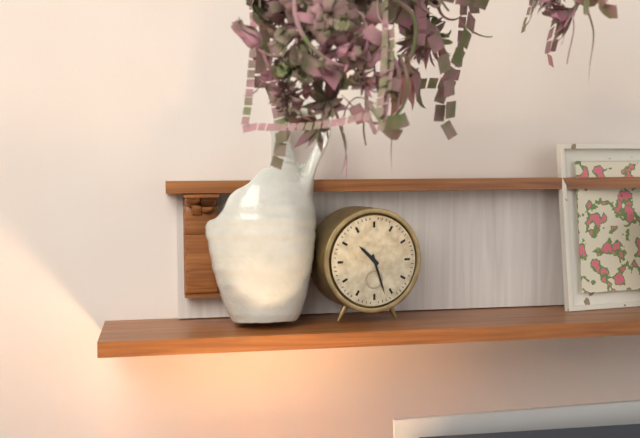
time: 10:27
